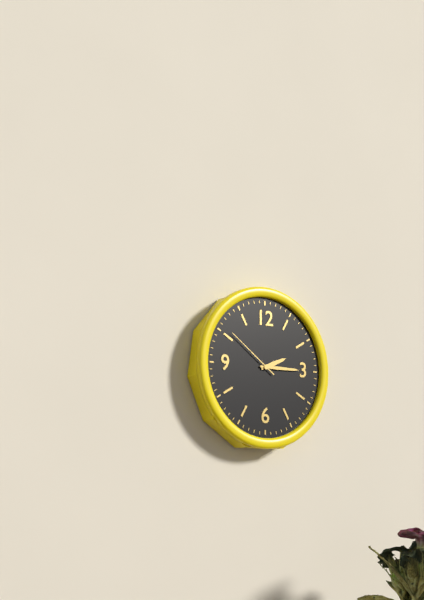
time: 2:15:51
